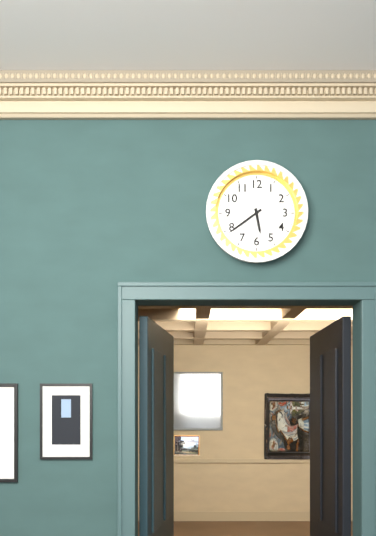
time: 5:39
